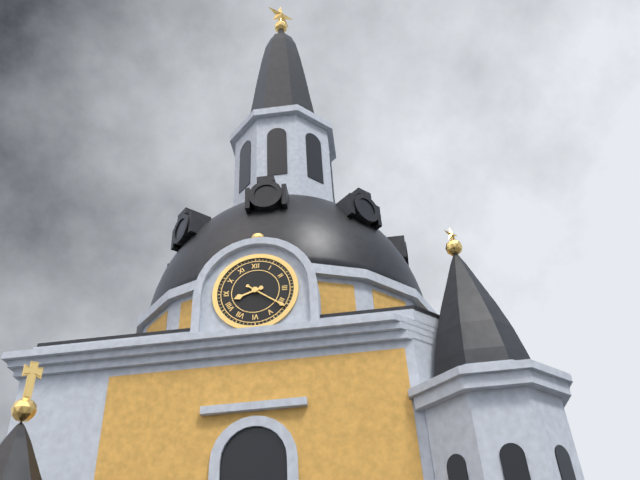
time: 8:21
